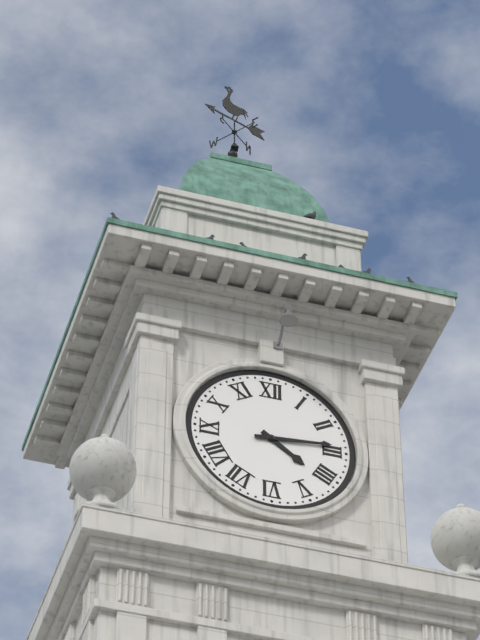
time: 4:14
